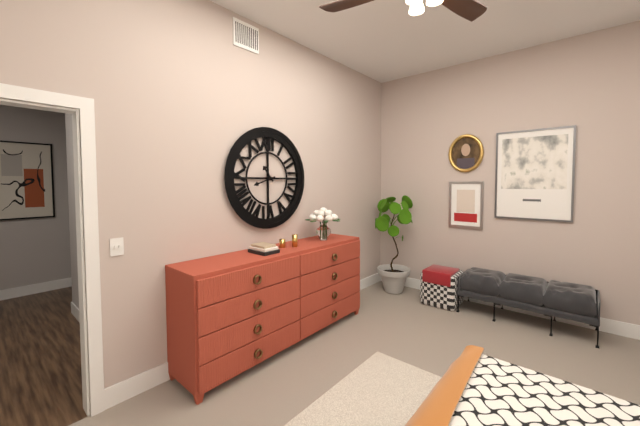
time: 10:42
